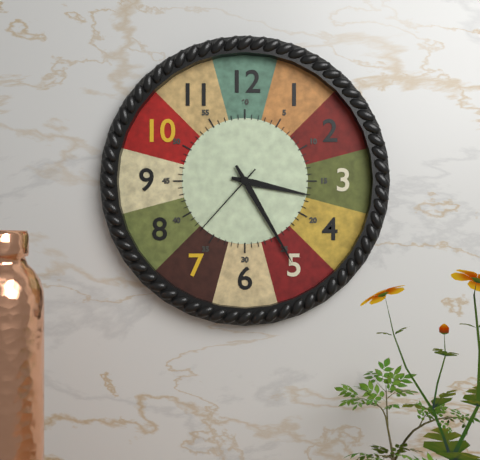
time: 3:25:37
